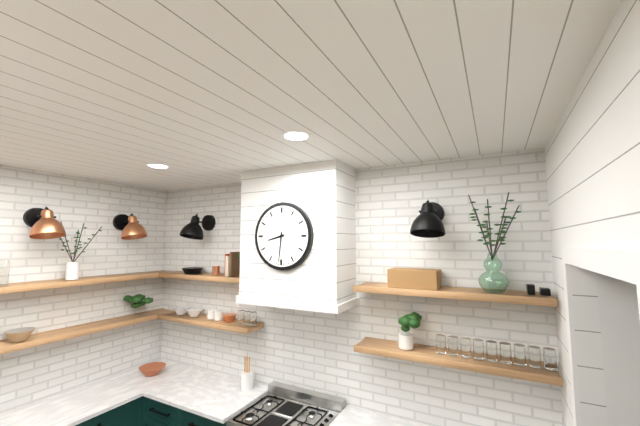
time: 8:31
